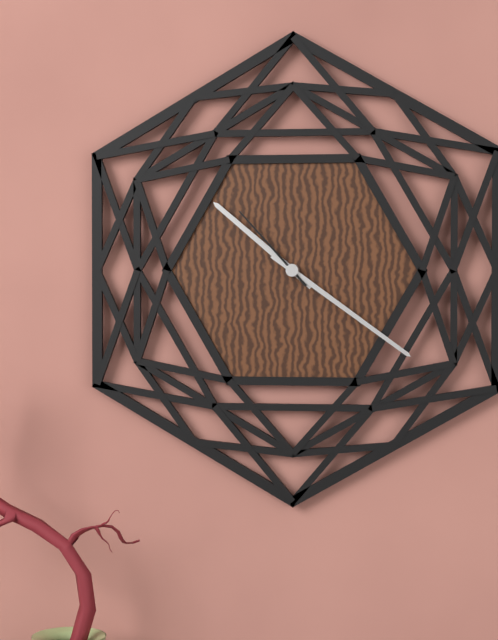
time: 10:21:53
